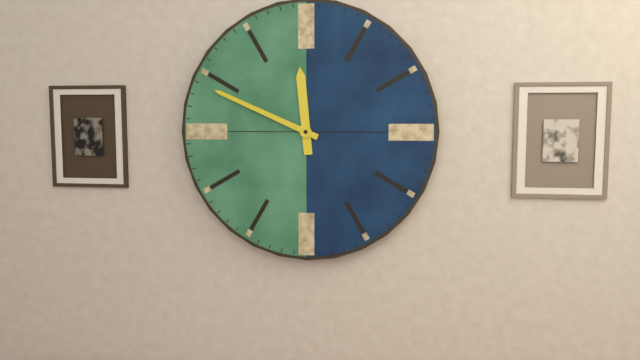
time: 11:49
